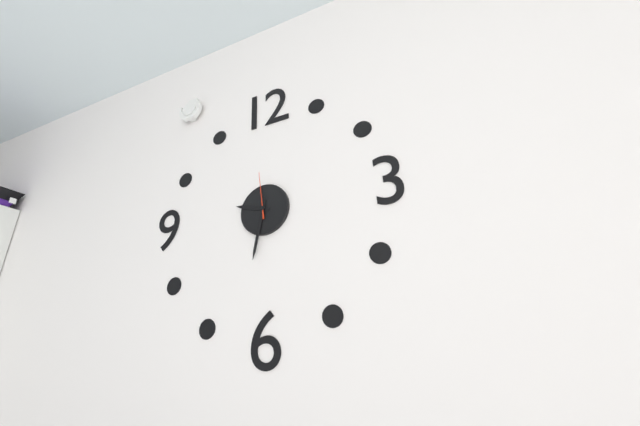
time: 9:32
